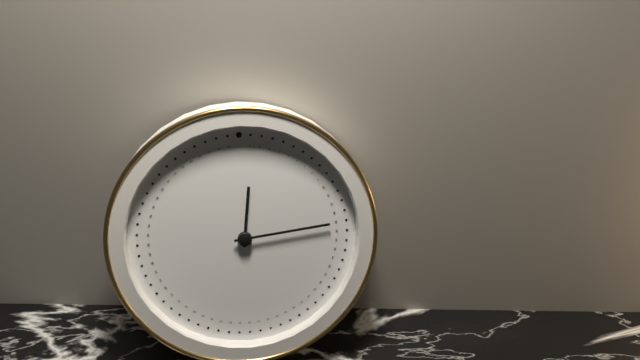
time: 12:14
